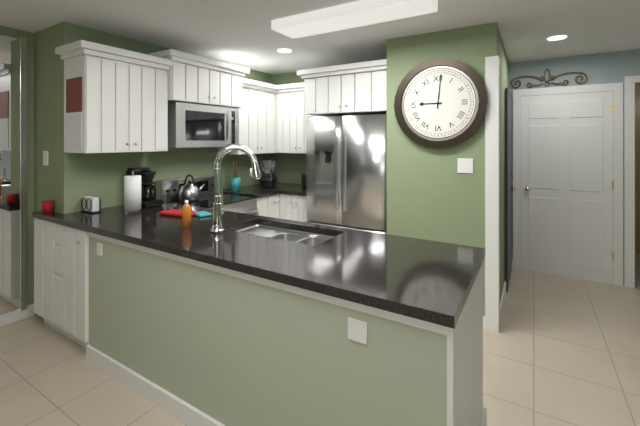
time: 9:01
